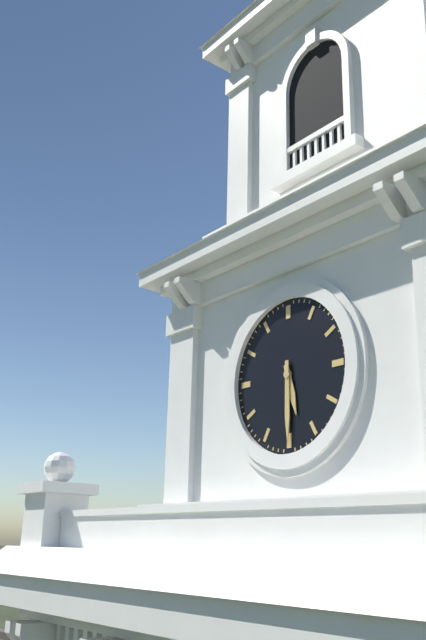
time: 5:30
